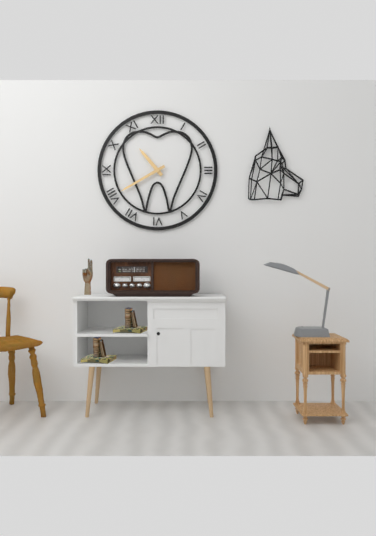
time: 10:40
